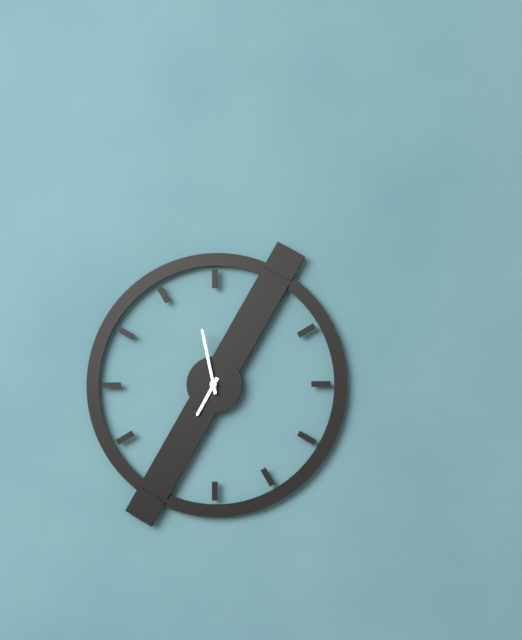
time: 6:58
